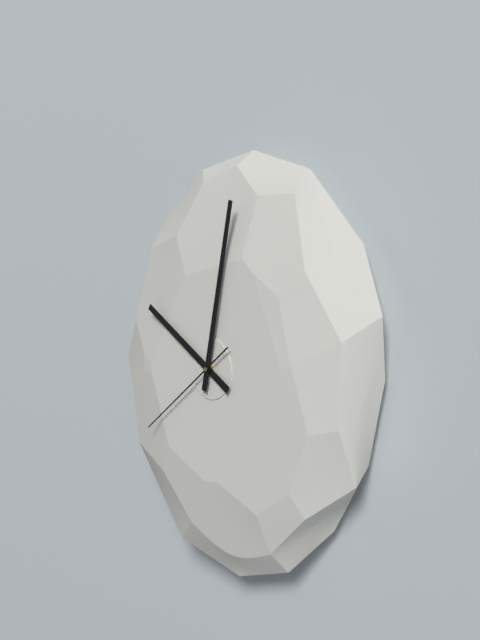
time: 10:02:39
